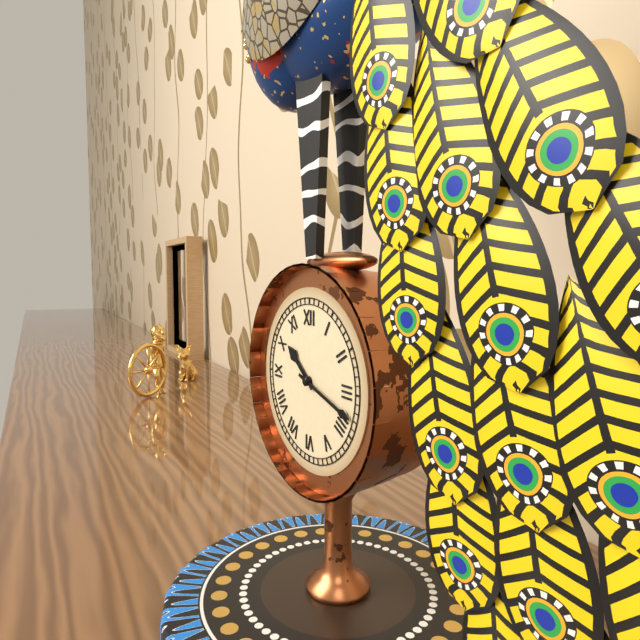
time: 10:18
